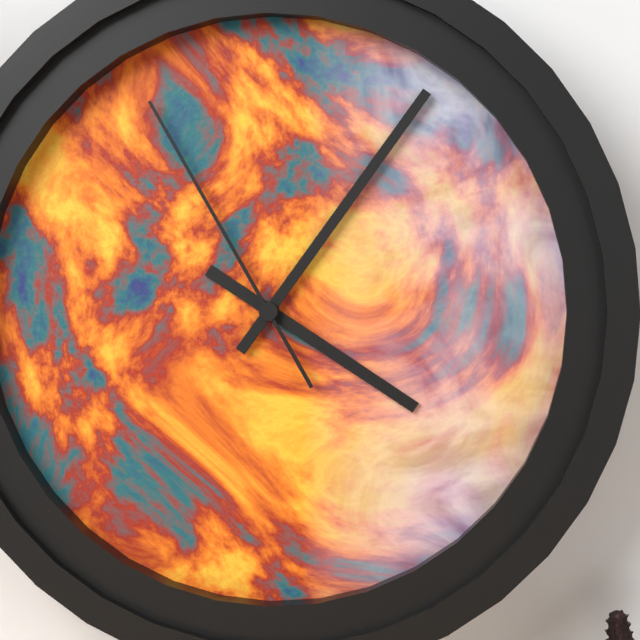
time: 4:06:55
